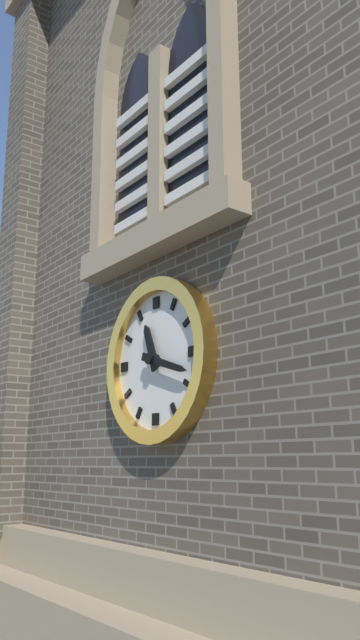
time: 11:18
